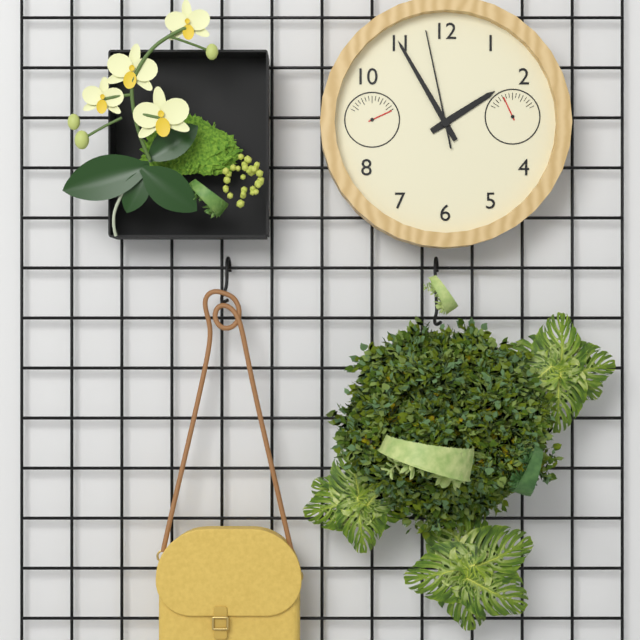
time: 1:55:58
